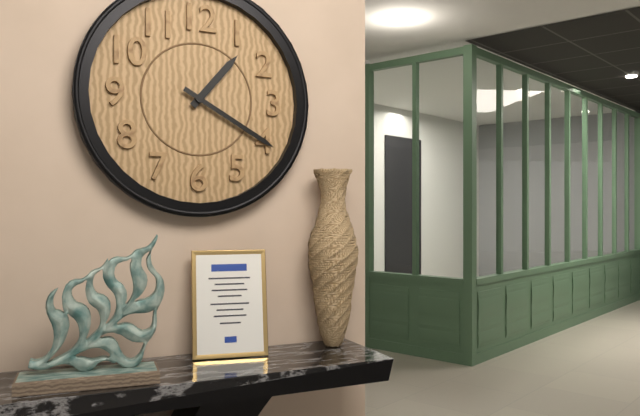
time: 1:20
